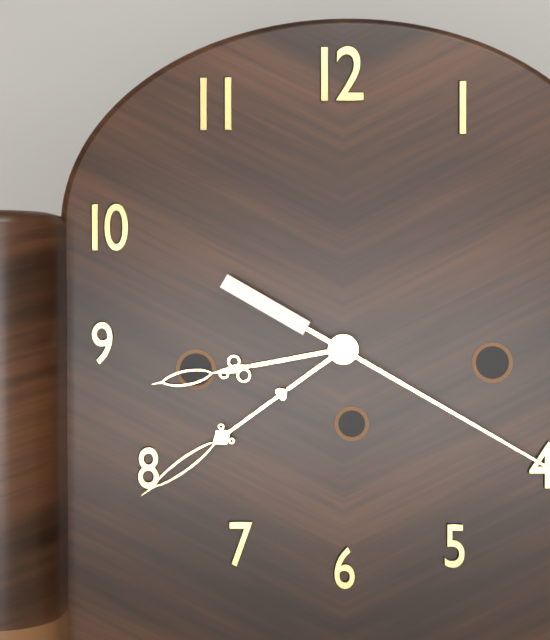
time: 8:39
